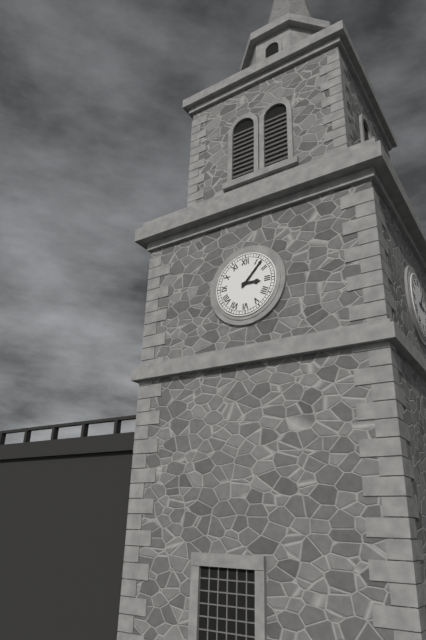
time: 3:07
